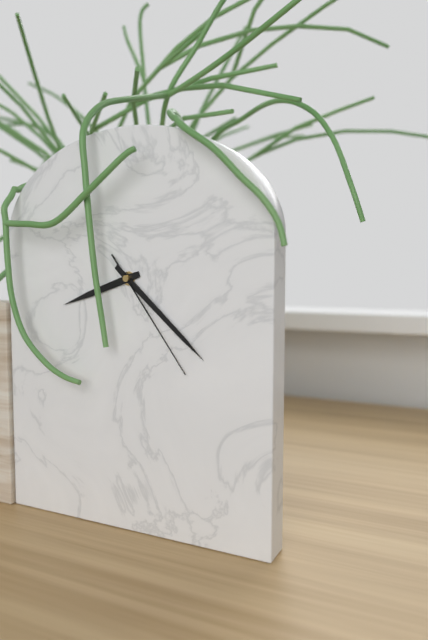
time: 8:22:24
